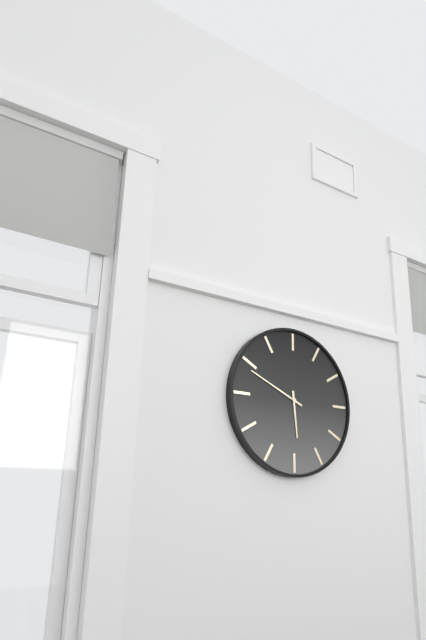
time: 5:49
